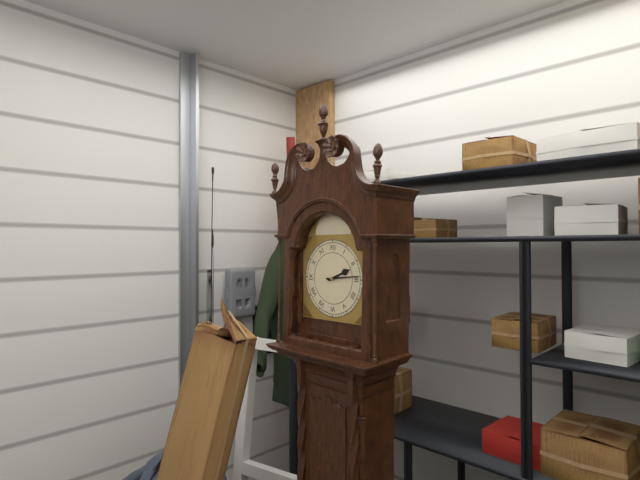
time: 2:14
